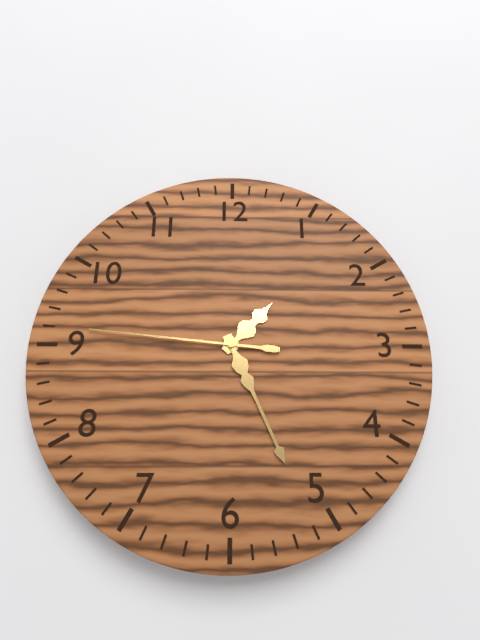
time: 1:26:46
